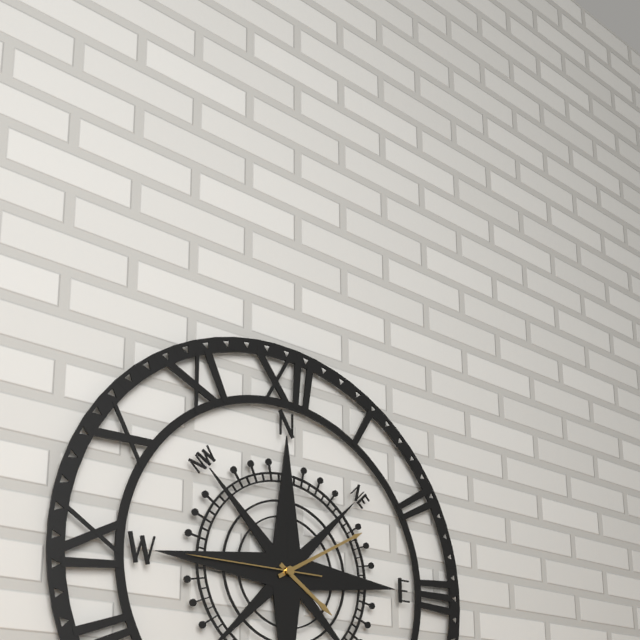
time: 4:10:45
